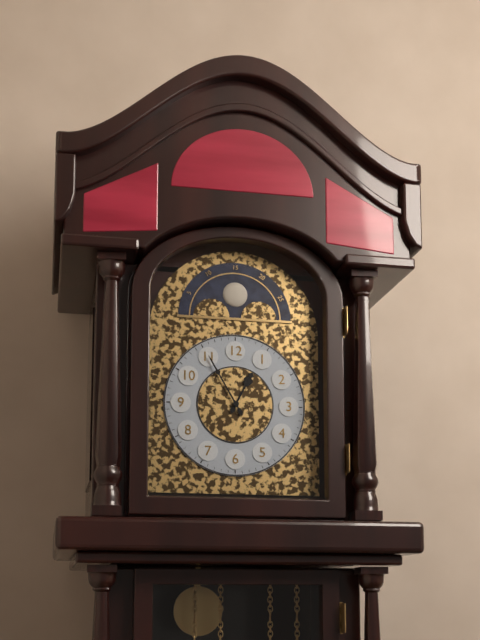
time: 12:55
